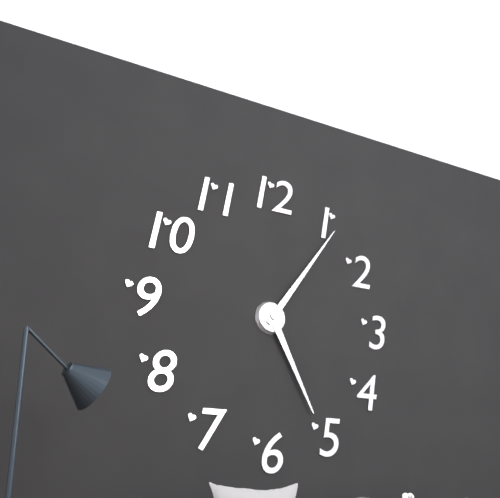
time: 5:06
